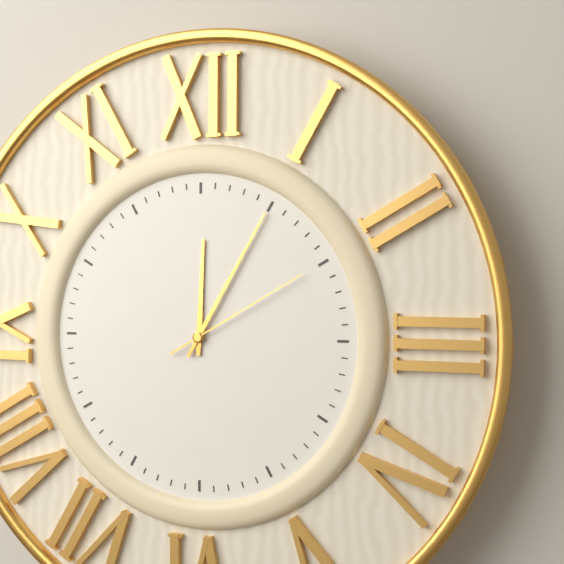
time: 12:05:10
